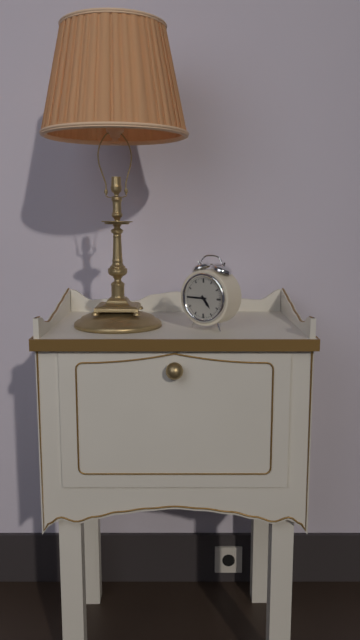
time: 4:45
